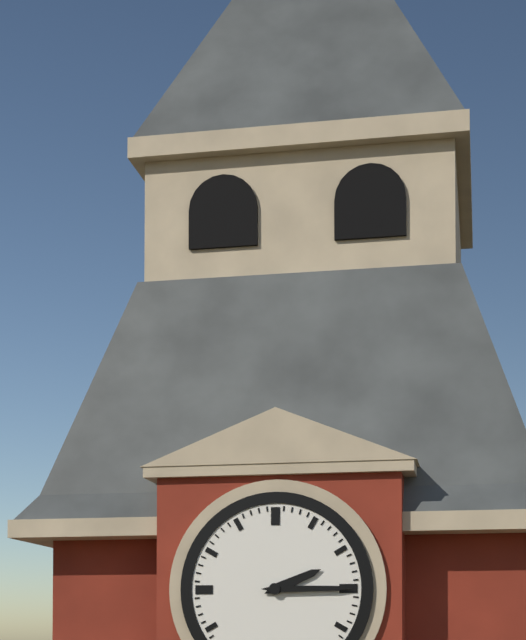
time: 2:15
